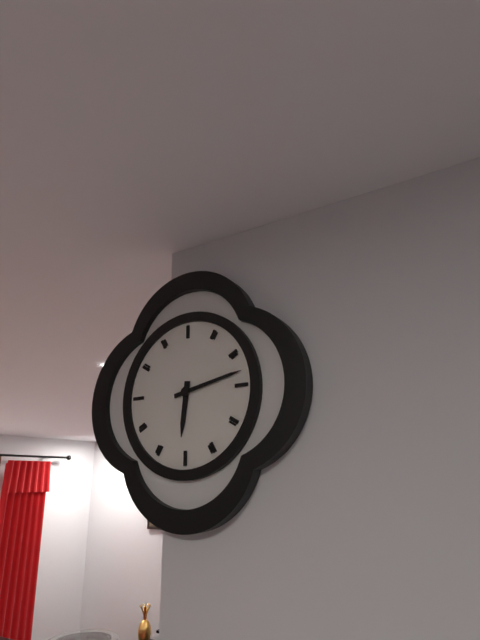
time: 6:13
